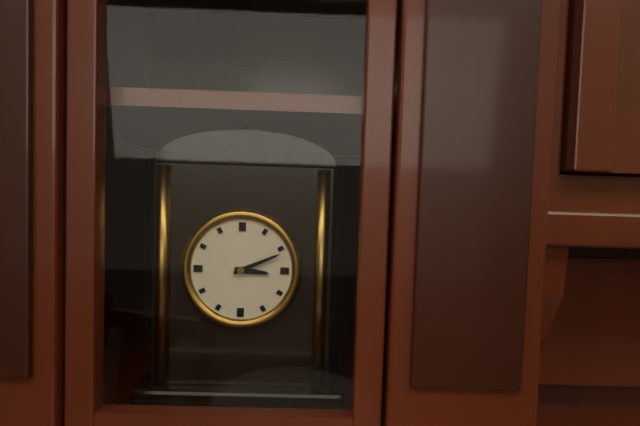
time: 3:11
